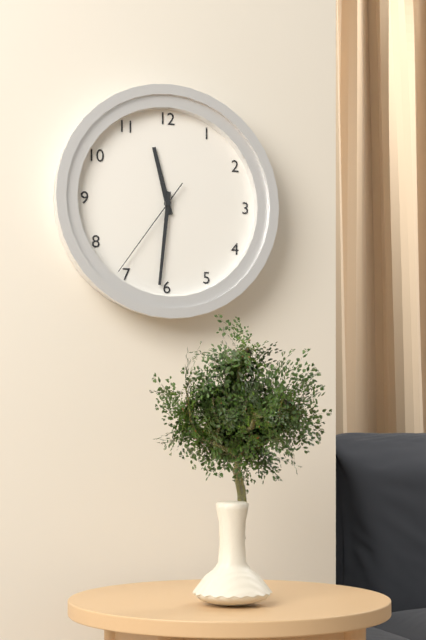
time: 11:31:36
